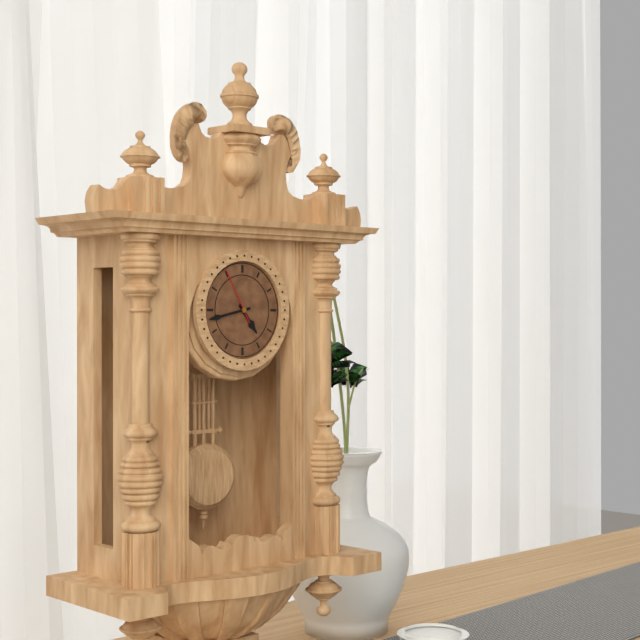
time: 4:43:55
